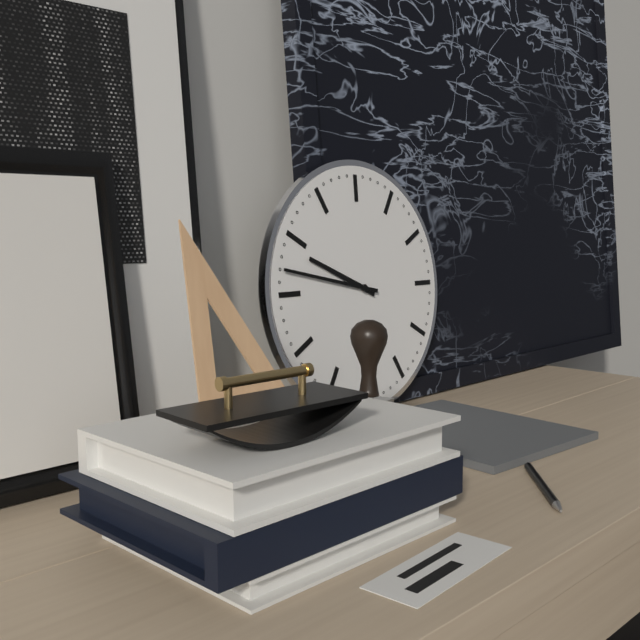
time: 9:47
